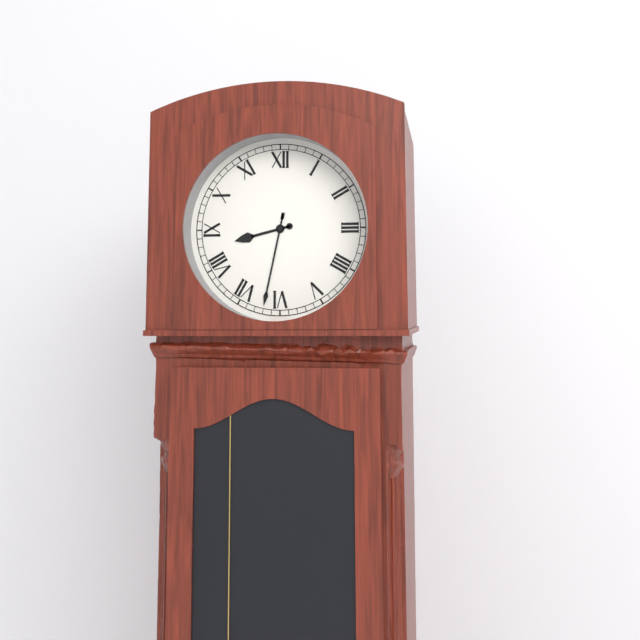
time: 8:32
